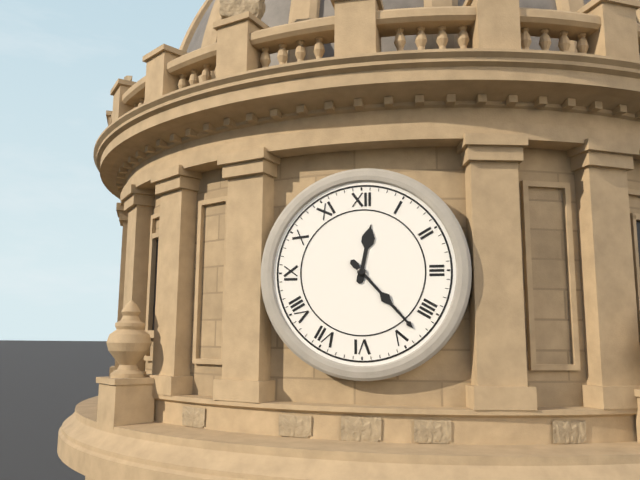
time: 12:23
